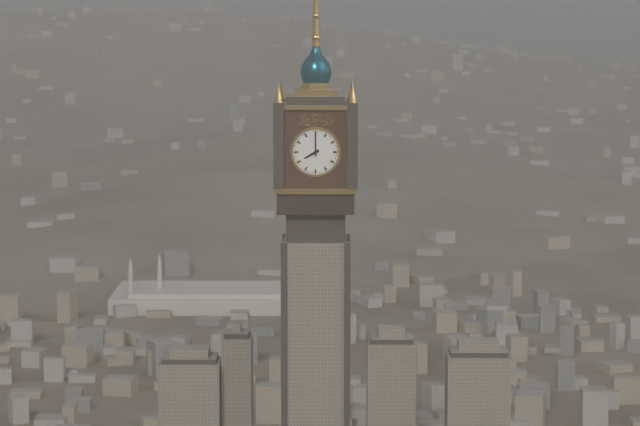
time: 8:00
